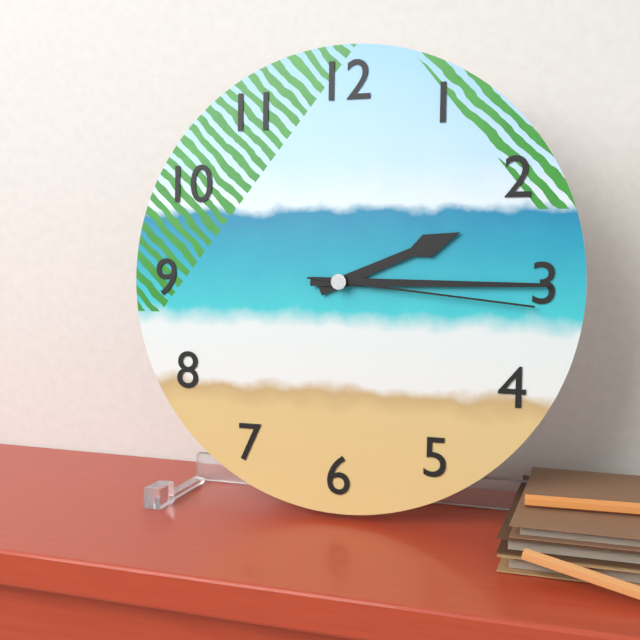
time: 2:15:16
